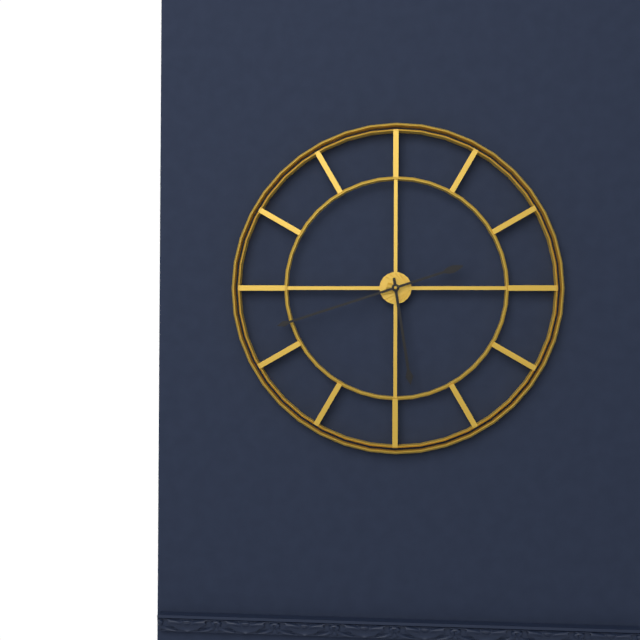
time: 5:42
